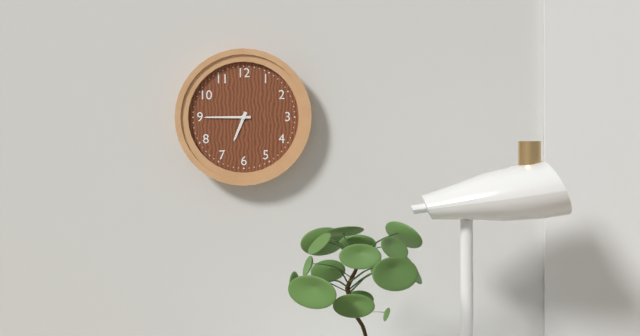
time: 6:45
